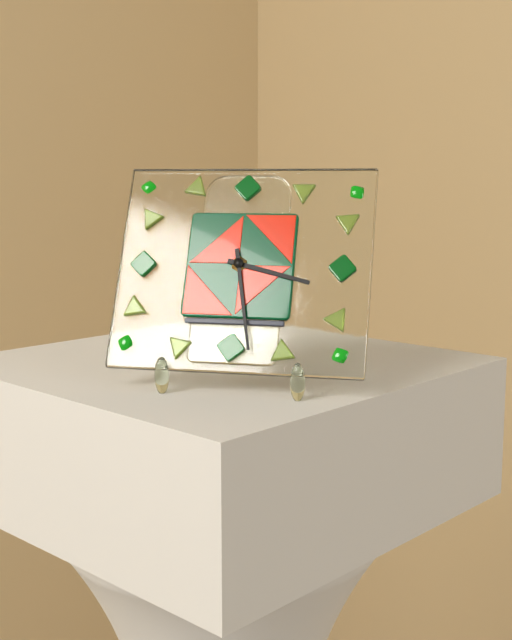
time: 3:28
